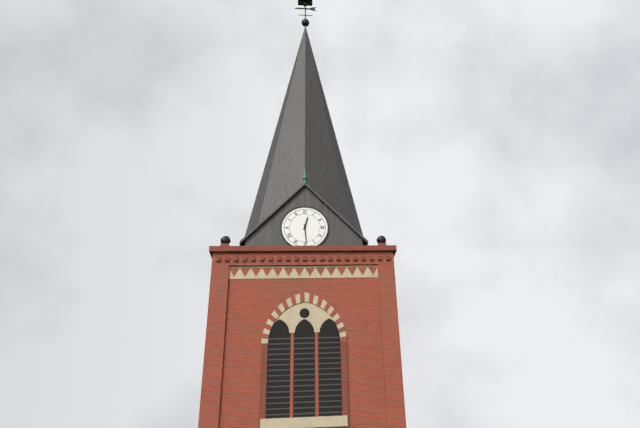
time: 12:29
